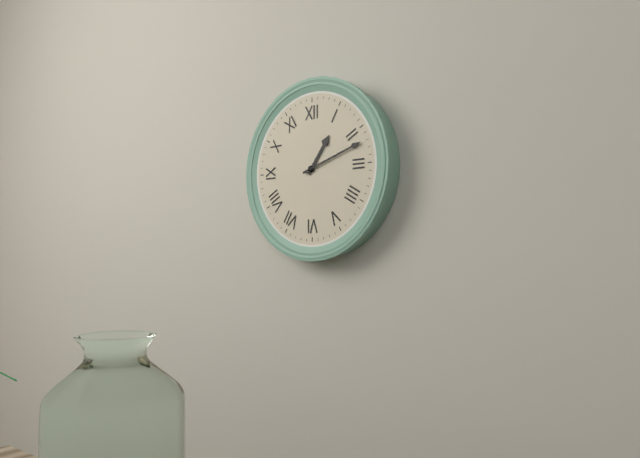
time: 1:12
